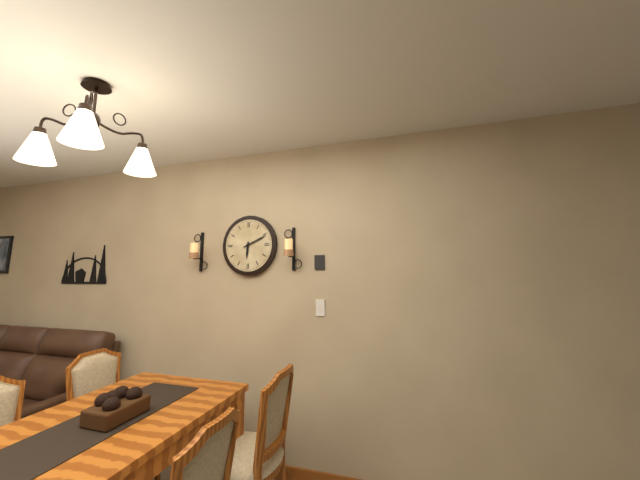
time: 6:11
